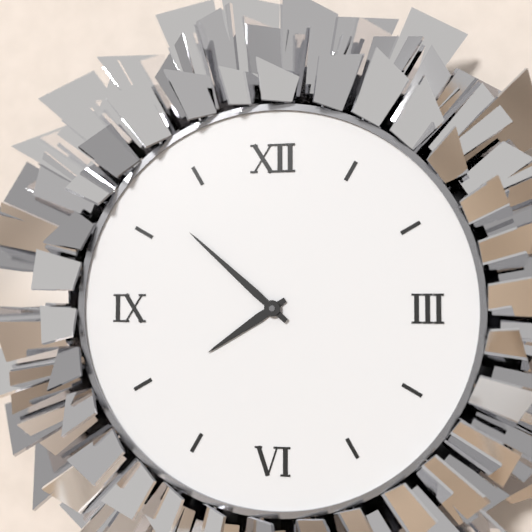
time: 7:52
